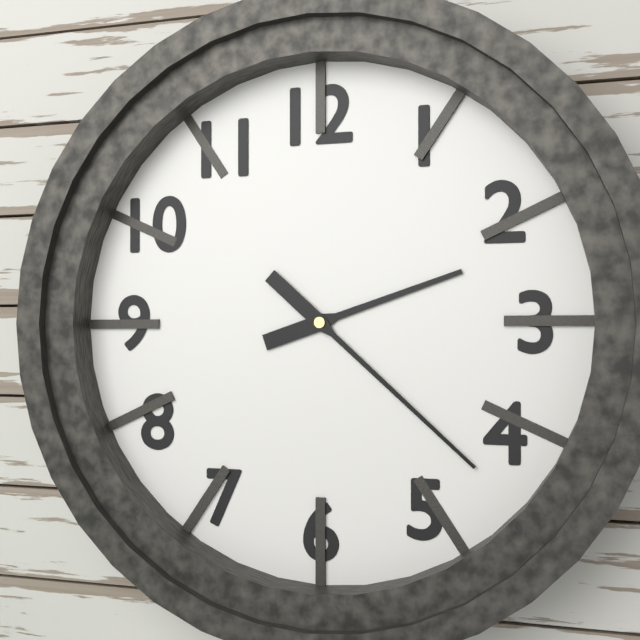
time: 2:22
